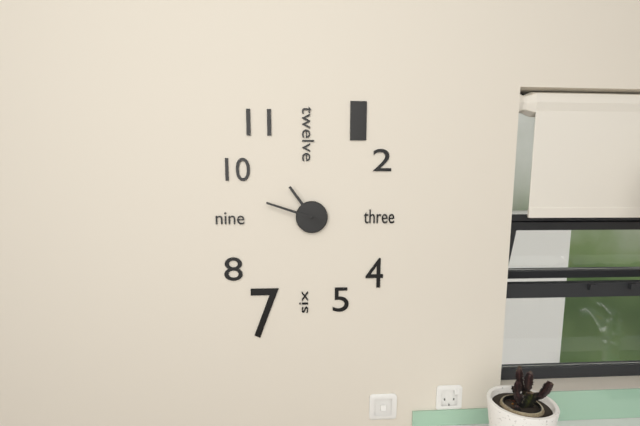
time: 10:48
